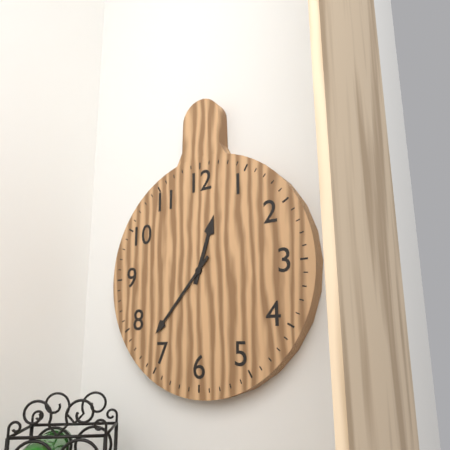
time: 12:37
